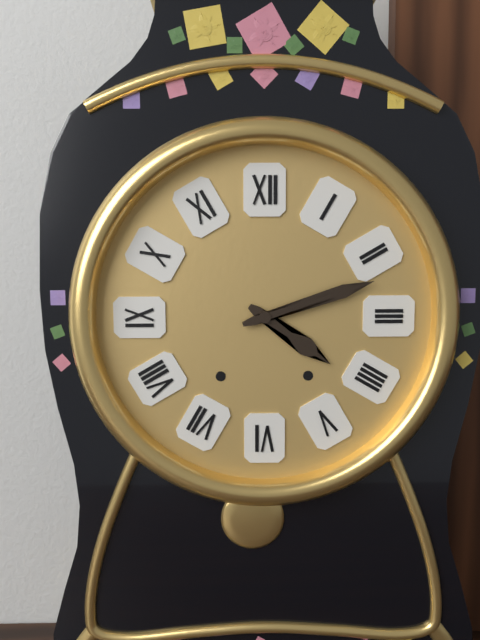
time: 4:12
